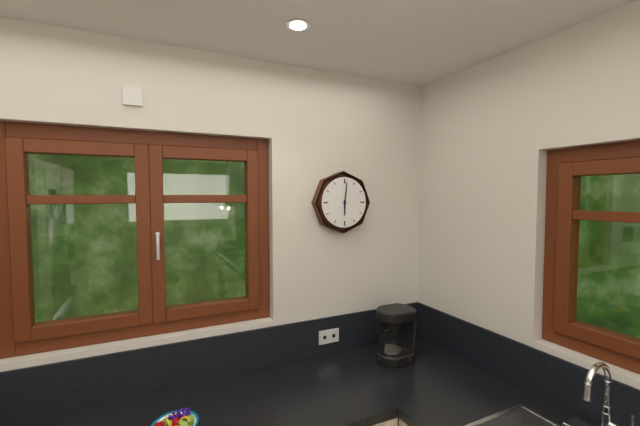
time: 6:01
